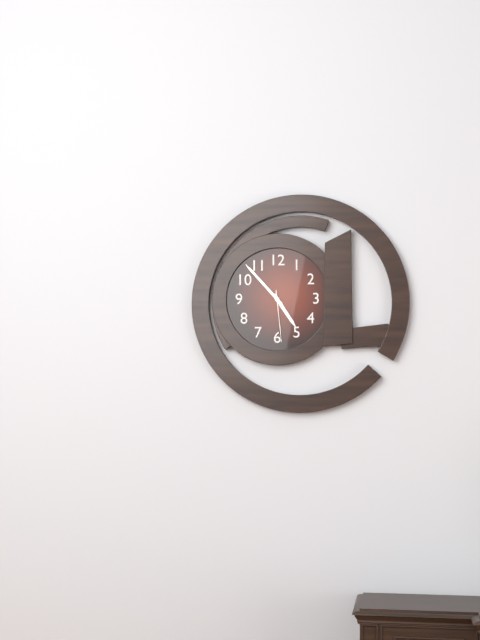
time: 4:53:29
